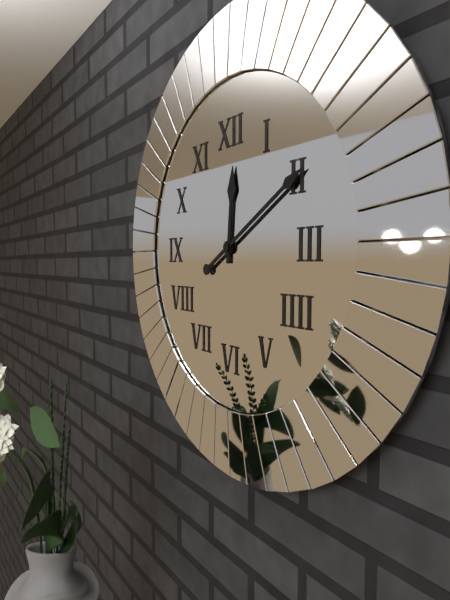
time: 12:10
